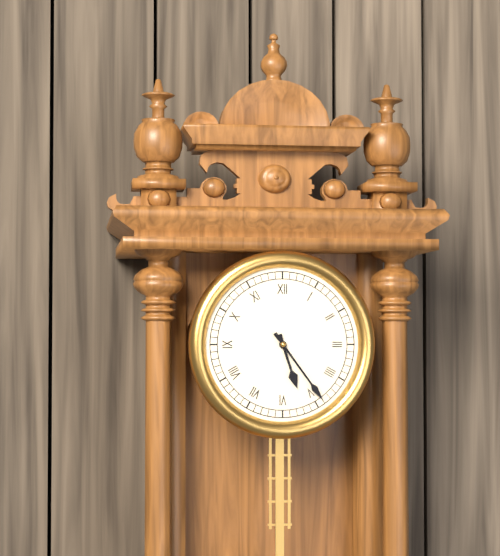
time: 5:24
